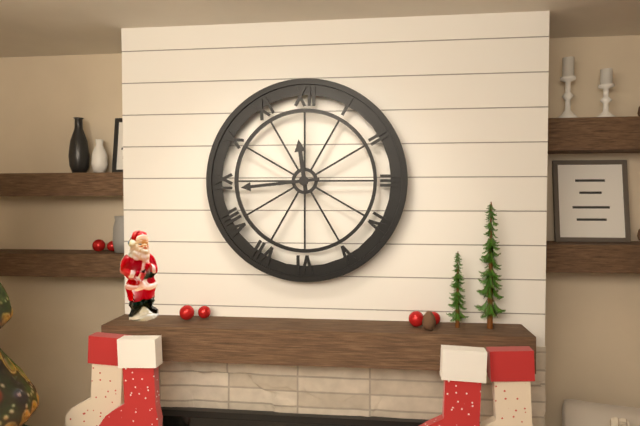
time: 11:44
